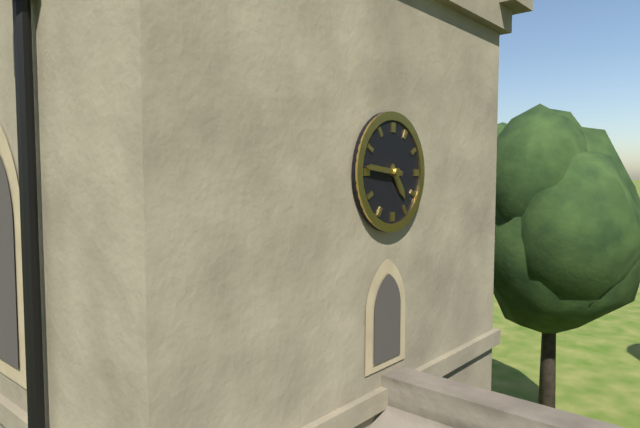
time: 4:46
